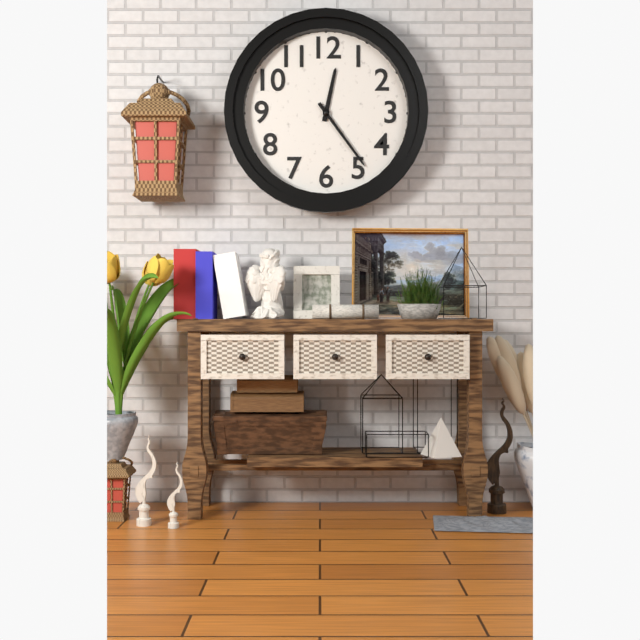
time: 12:24
